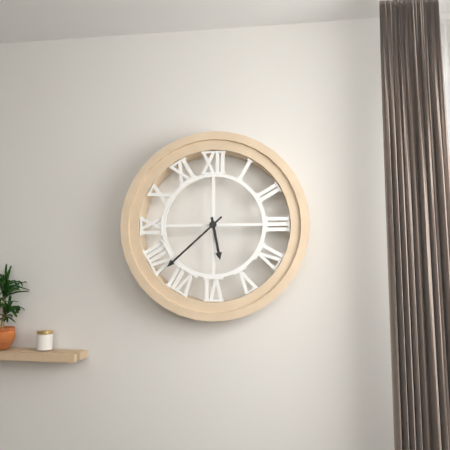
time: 5:38
